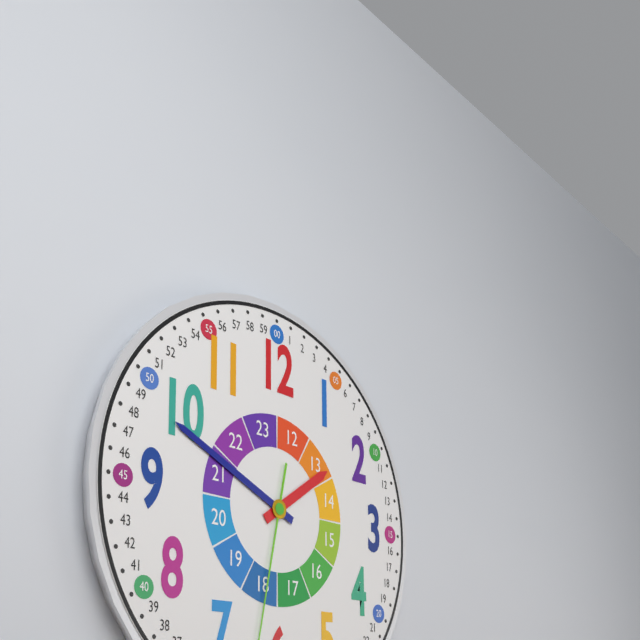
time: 1:49
